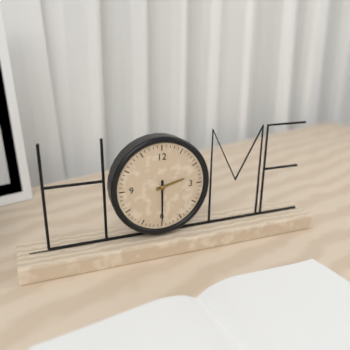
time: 2:30
